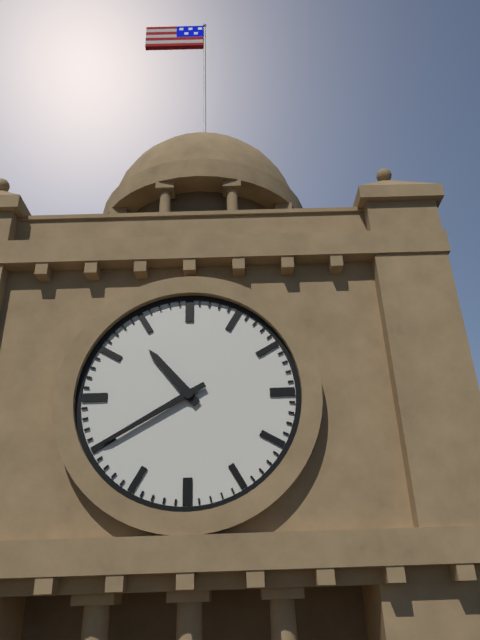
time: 10:40
